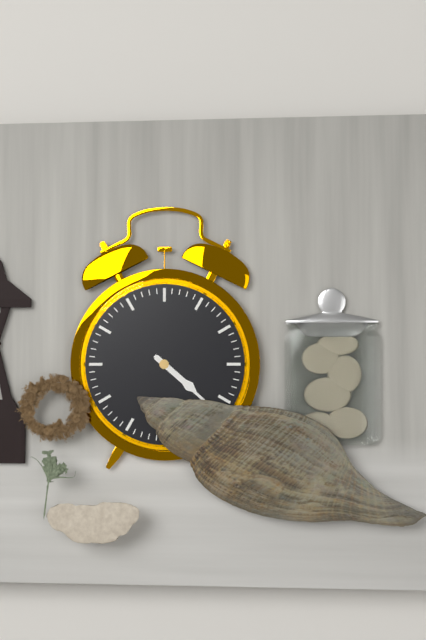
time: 4:22
